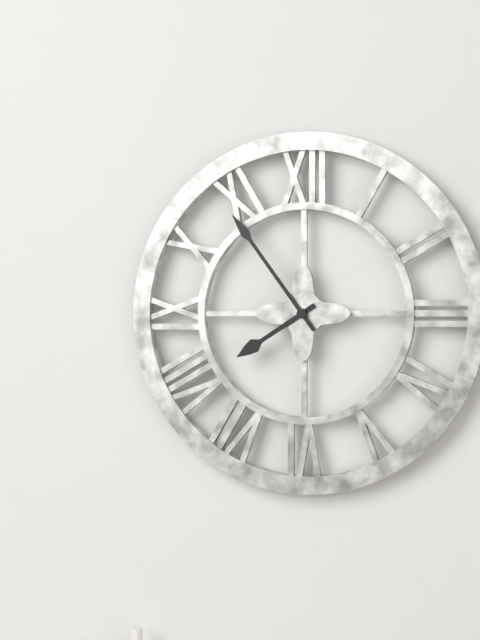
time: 7:54
